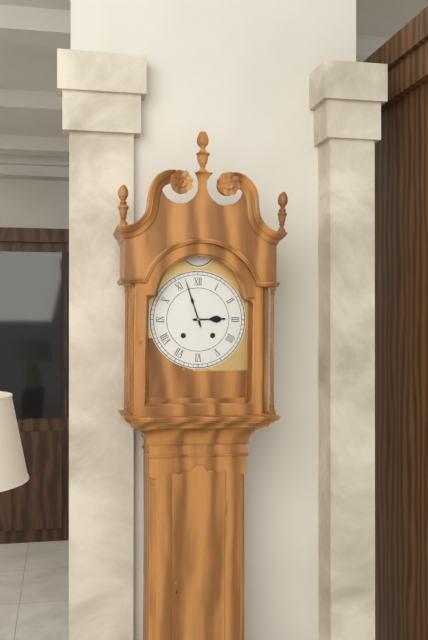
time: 2:57
